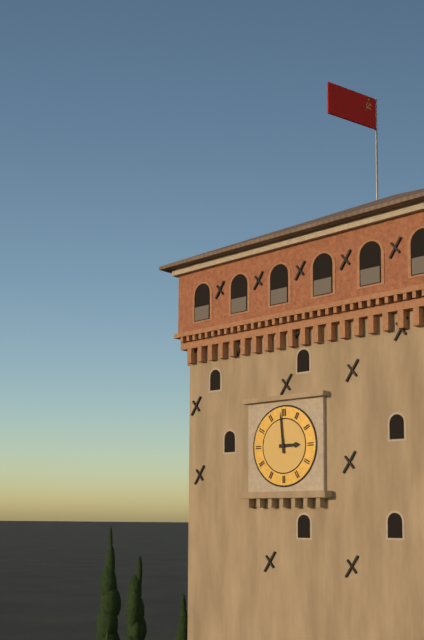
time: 2:59
